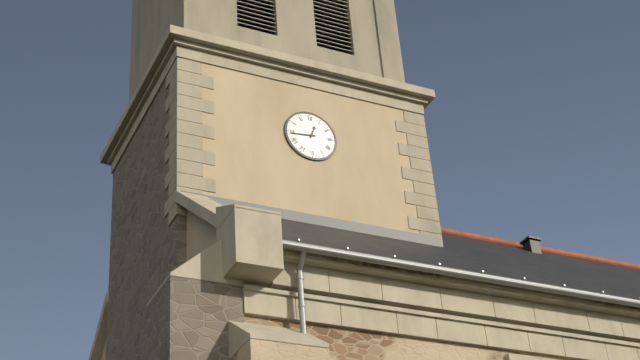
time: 12:44
